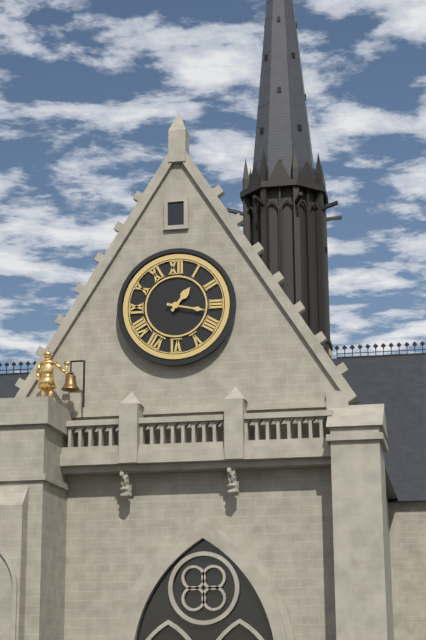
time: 1:17
